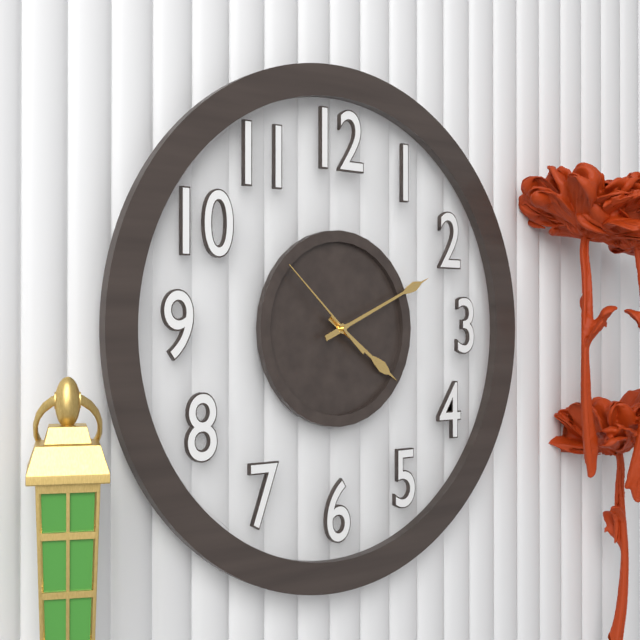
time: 4:11:52
